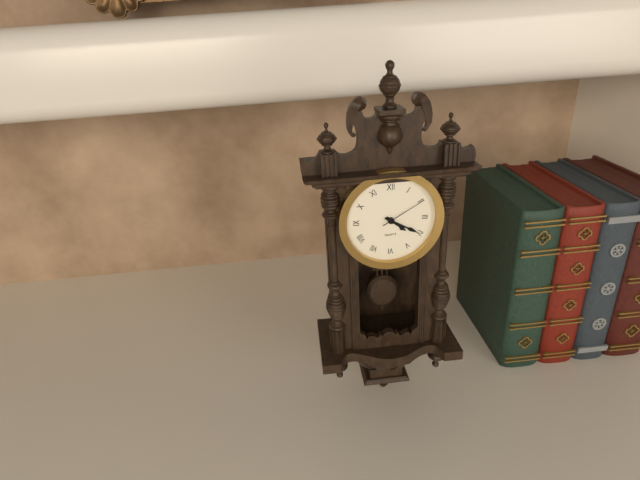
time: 4:20
